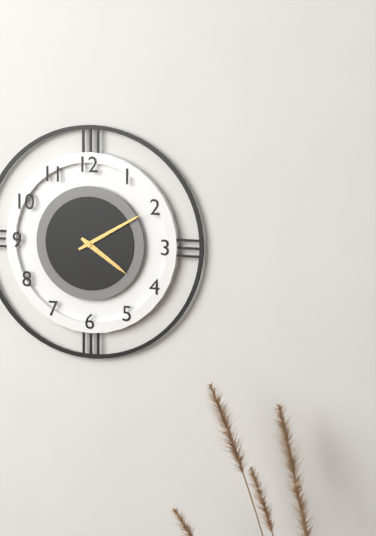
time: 4:10
